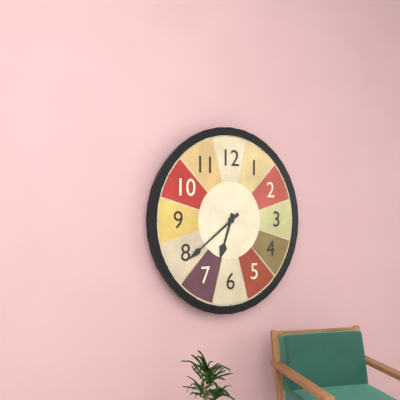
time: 6:39
